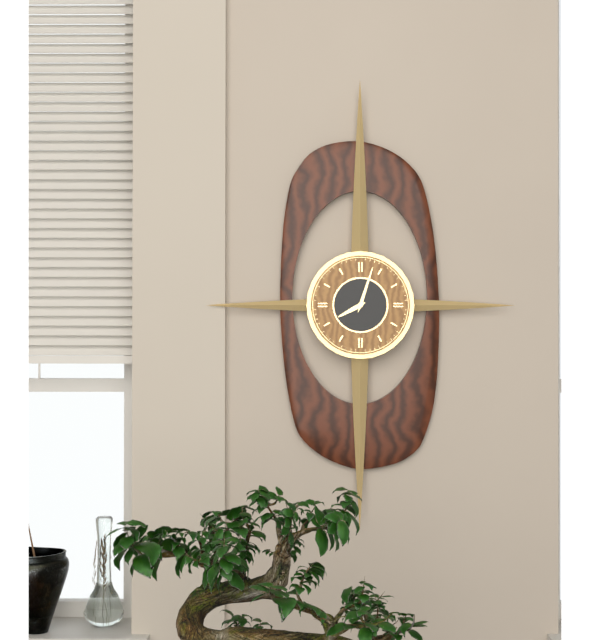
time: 8:03
